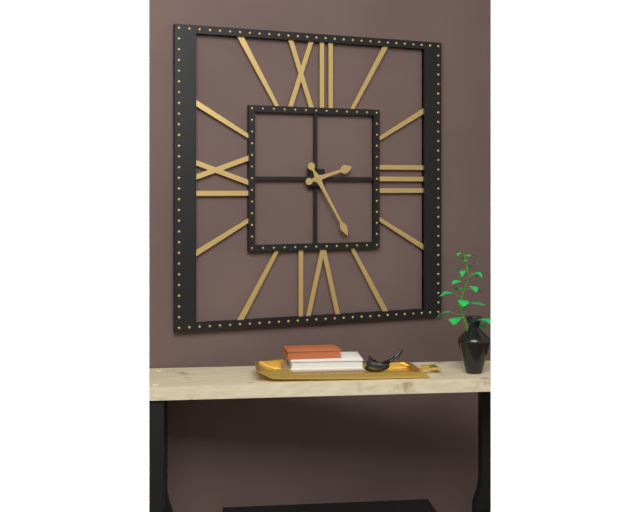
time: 2:25
